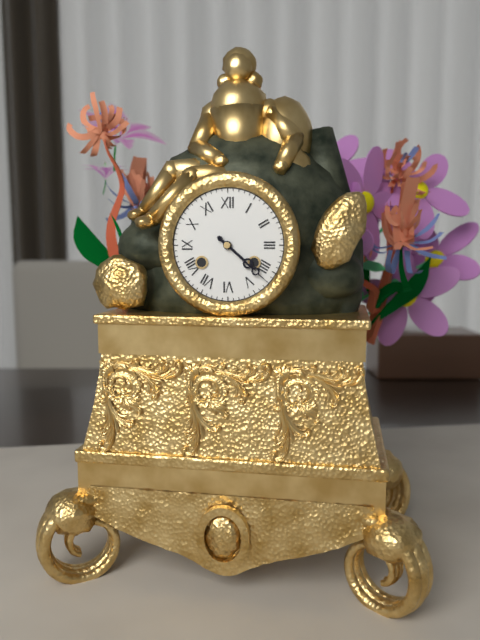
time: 4:22
